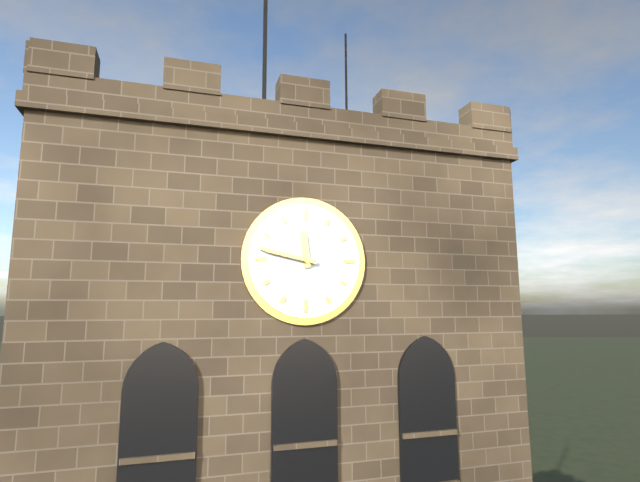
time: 11:47
